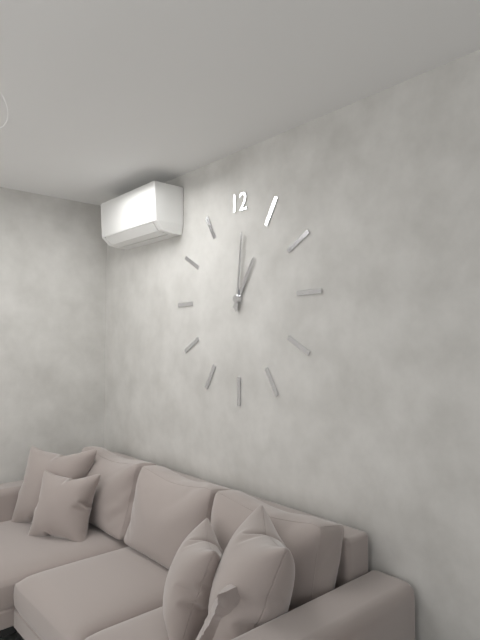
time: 1:01
